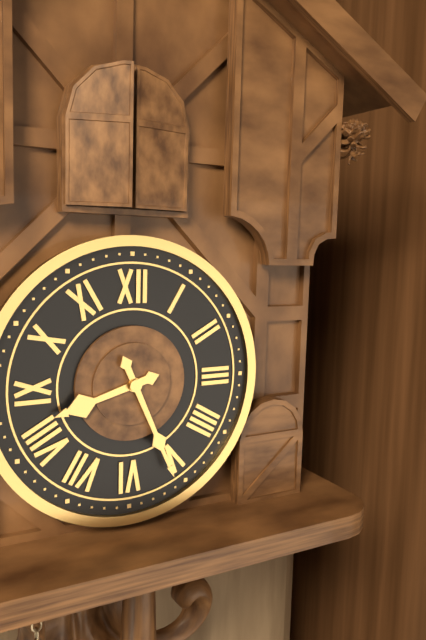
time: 8:26
